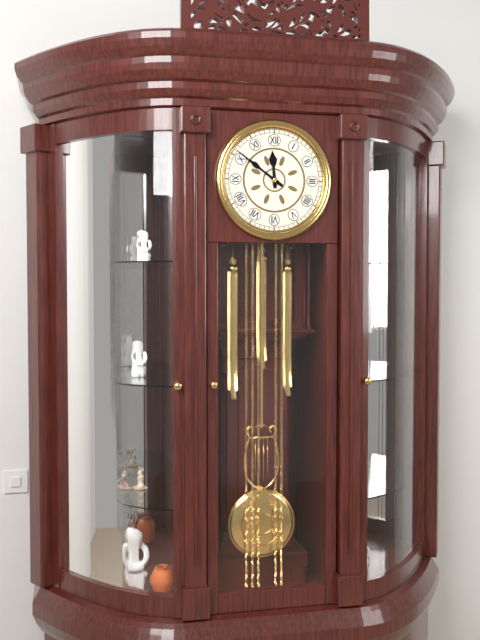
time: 11:51
